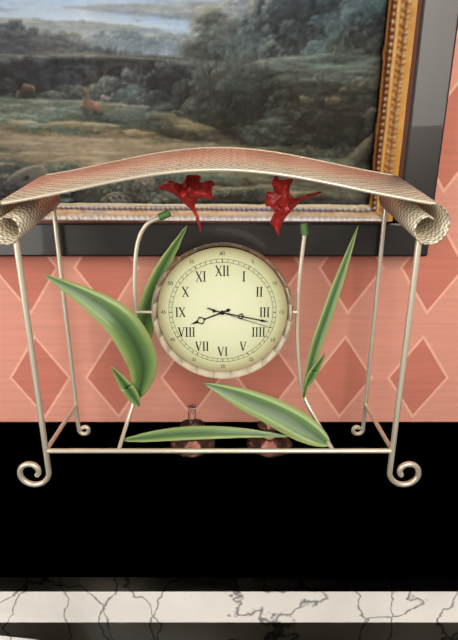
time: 8:17:18
